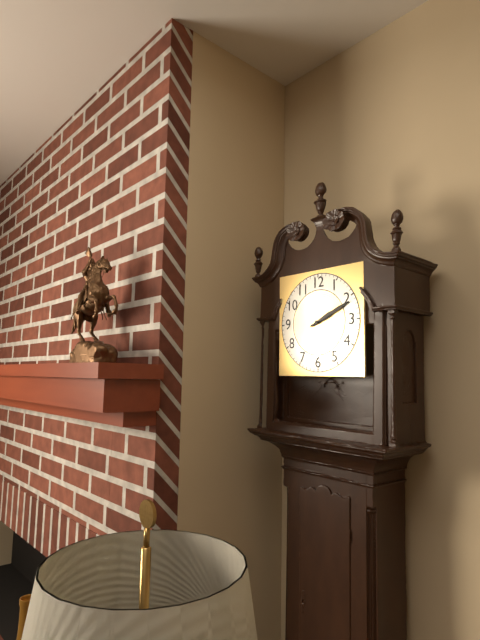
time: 2:11
